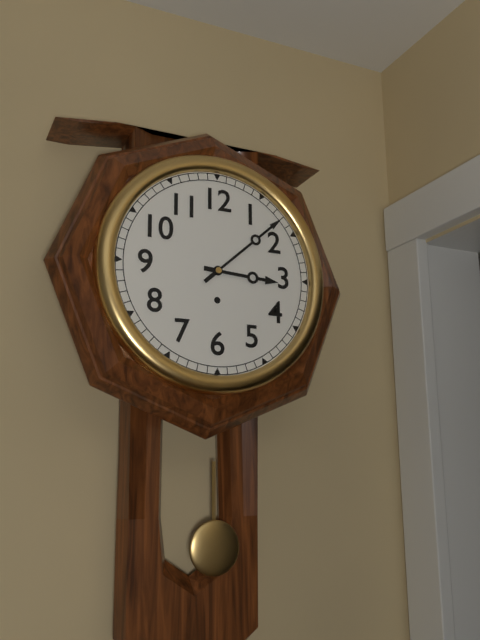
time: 3:08
